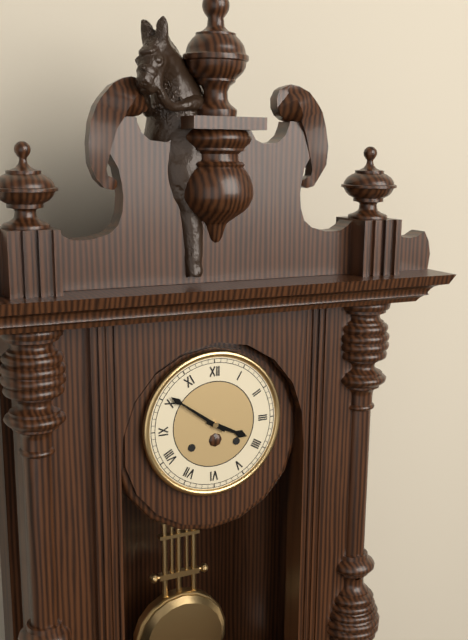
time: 3:51
